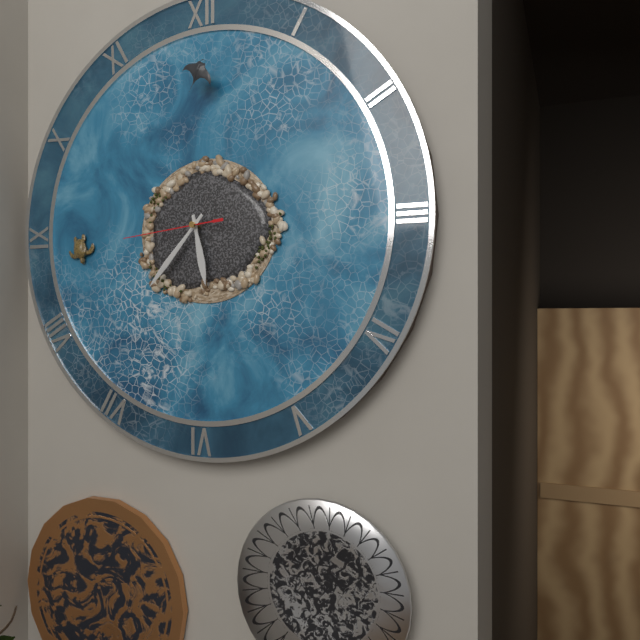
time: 5:37:44
